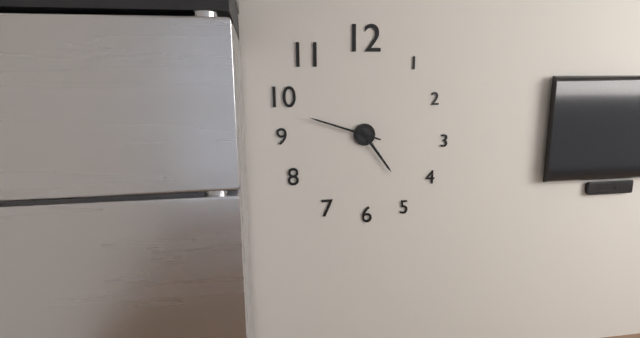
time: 4:48
